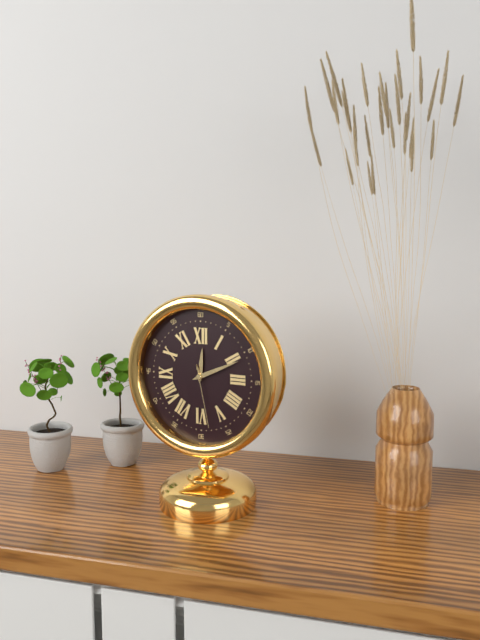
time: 12:11:28
